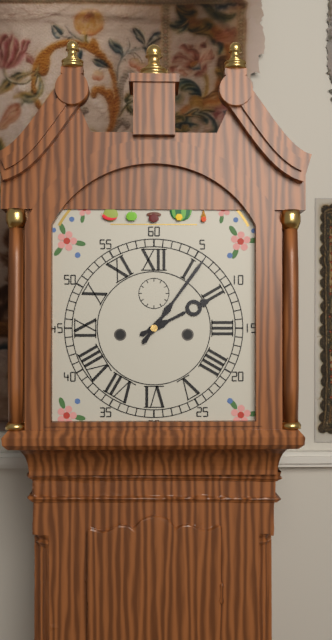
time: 2:06
